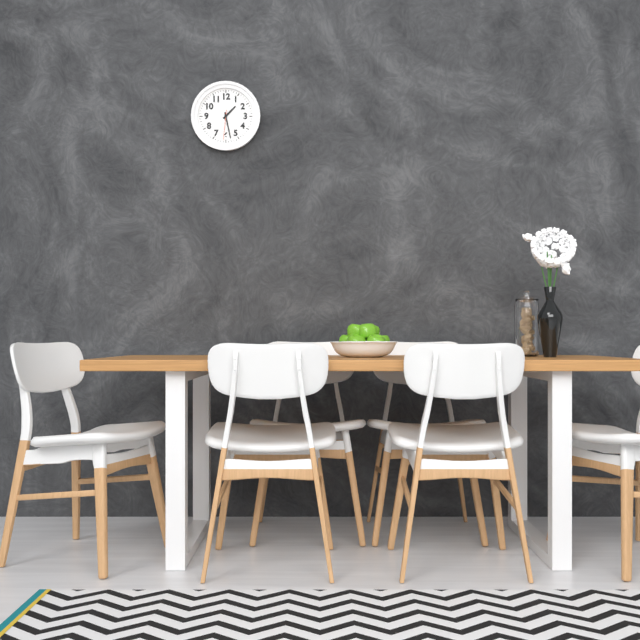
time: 1:28
